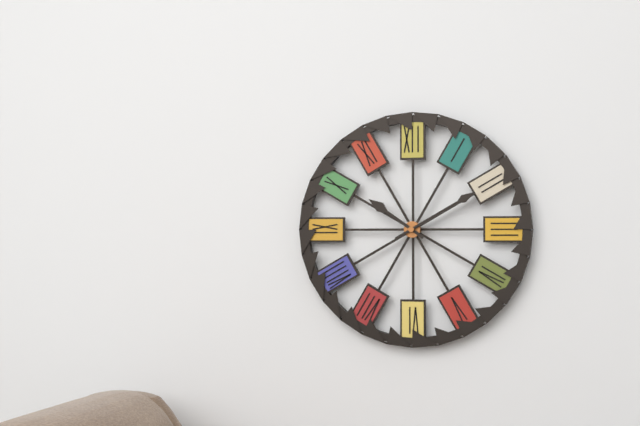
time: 10:10
